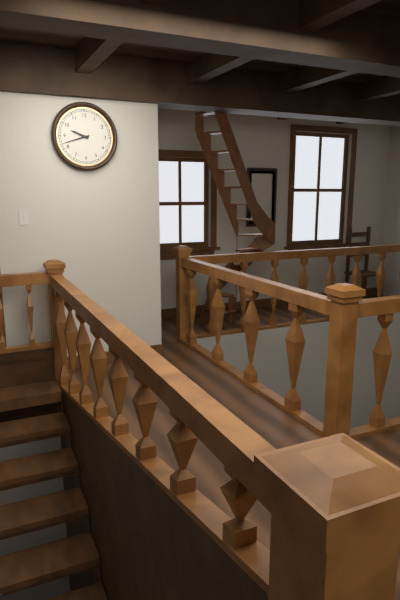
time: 9:42
